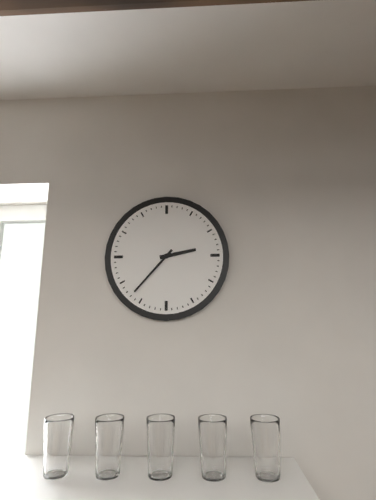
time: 2:37
